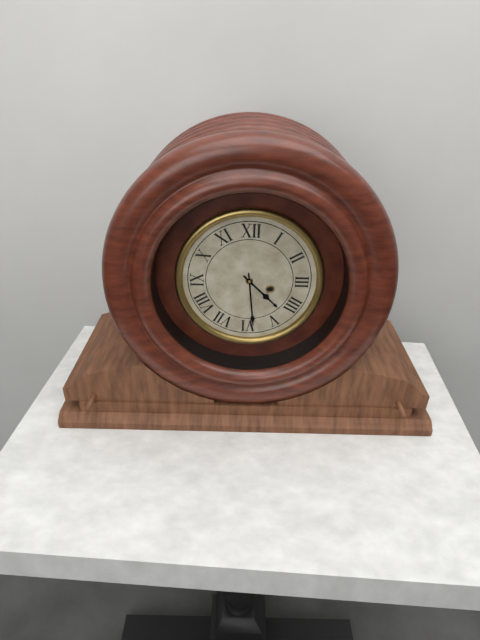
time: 4:29
